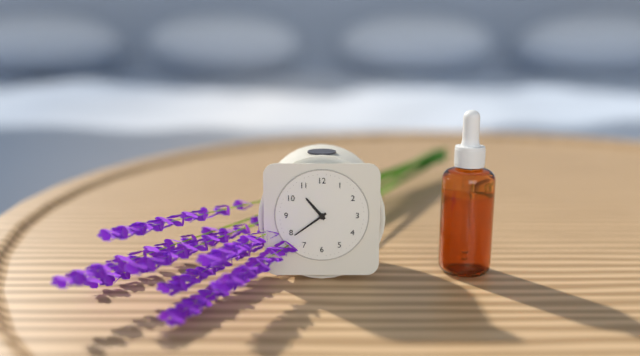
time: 10:39
